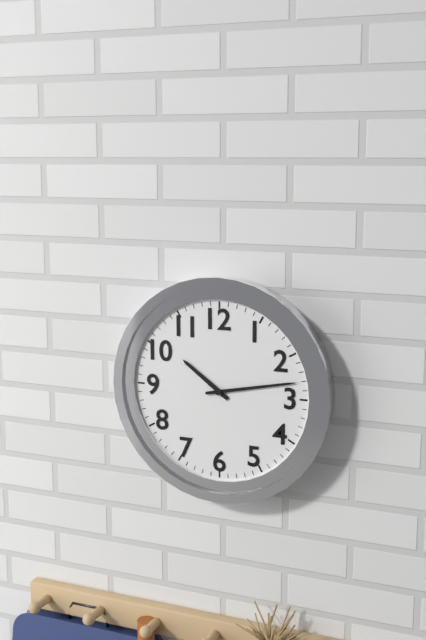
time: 10:13
